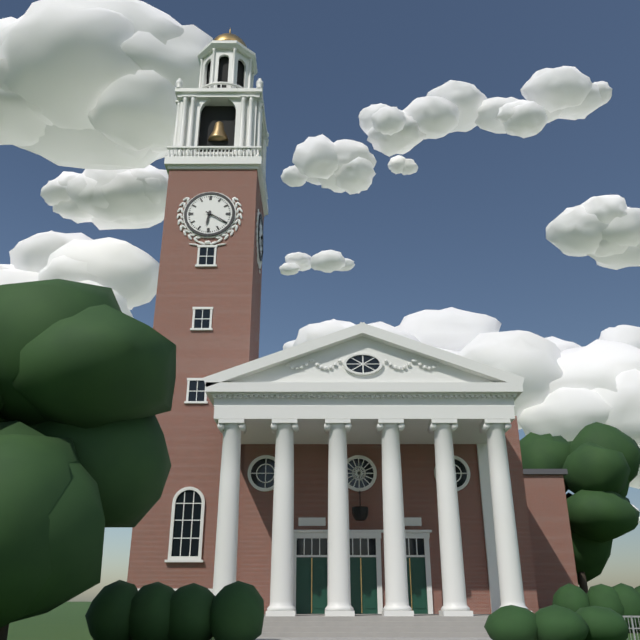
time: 6:20
